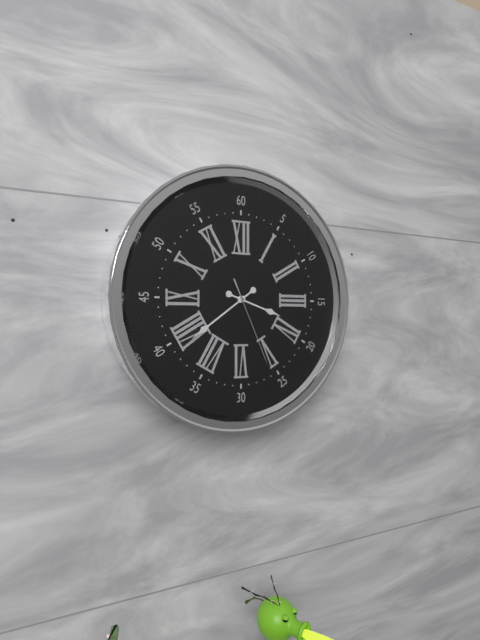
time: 3:39:26
